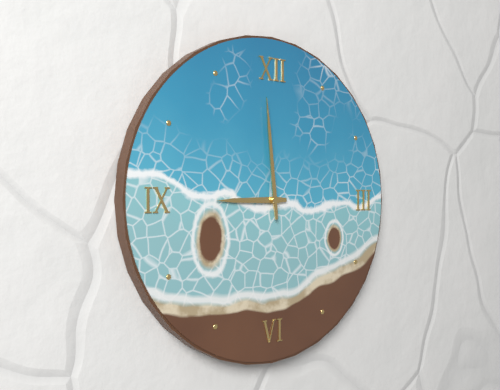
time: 8:59
